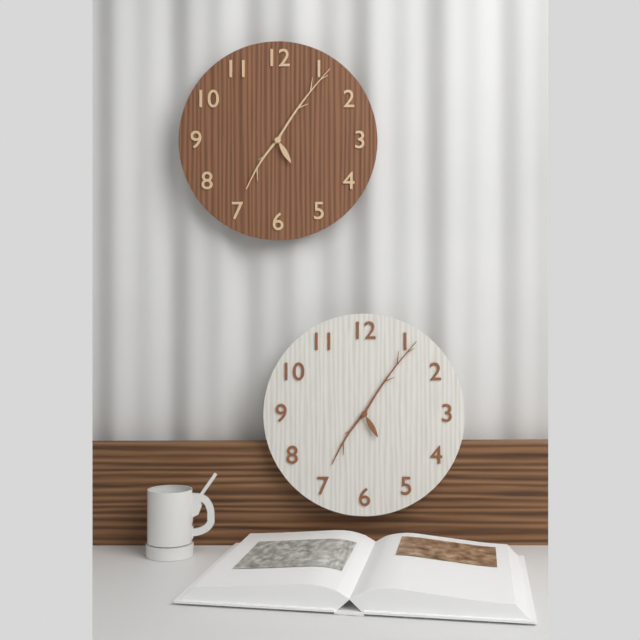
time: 7:06
